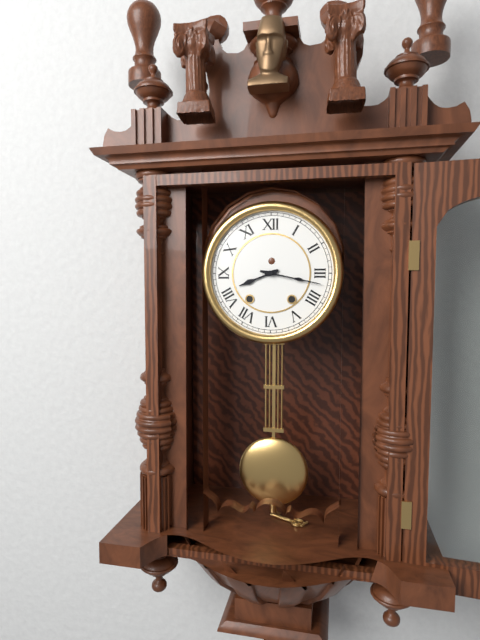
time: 8:17
